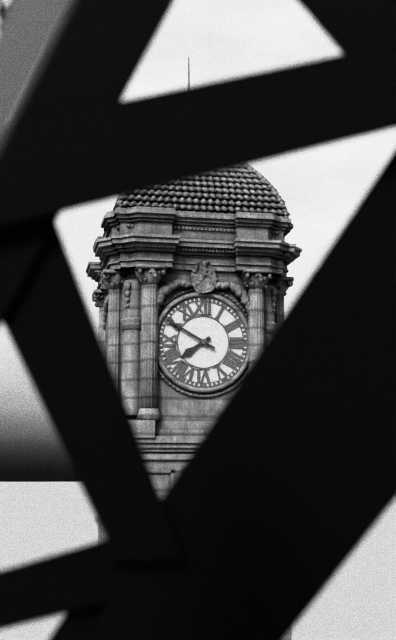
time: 7:50
